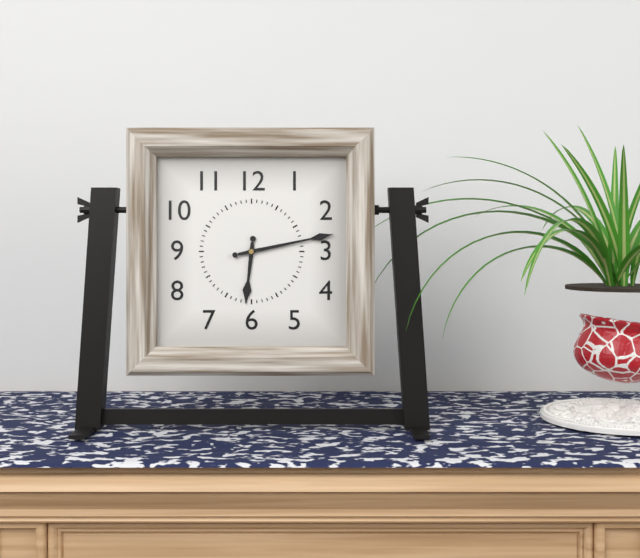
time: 6:13
